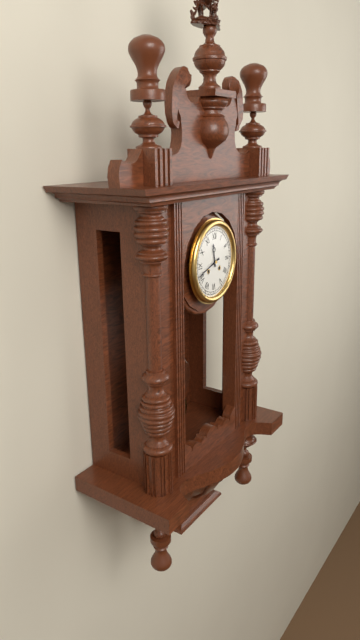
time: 11:42
